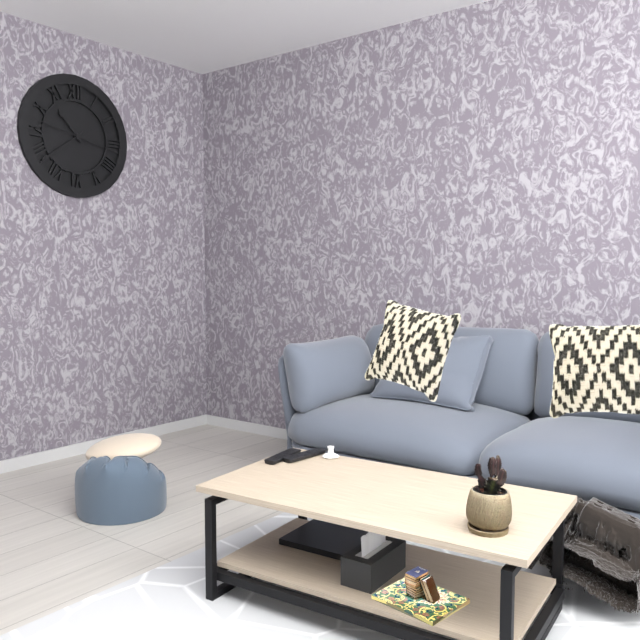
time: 10:39:17
